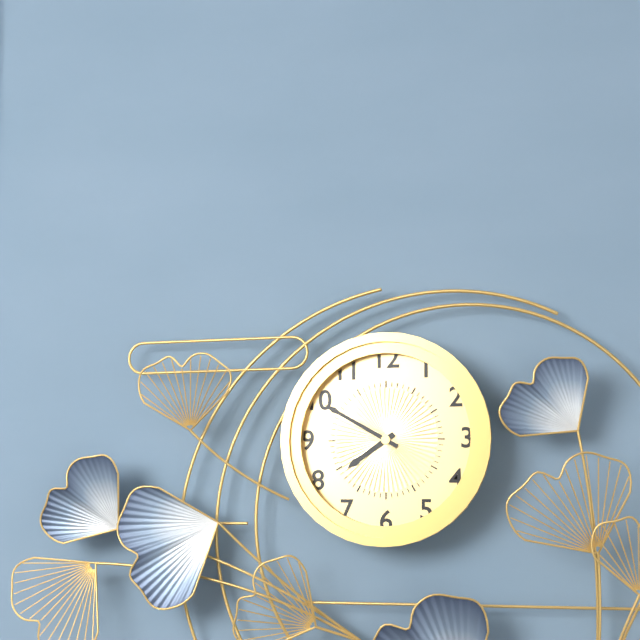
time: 7:50
